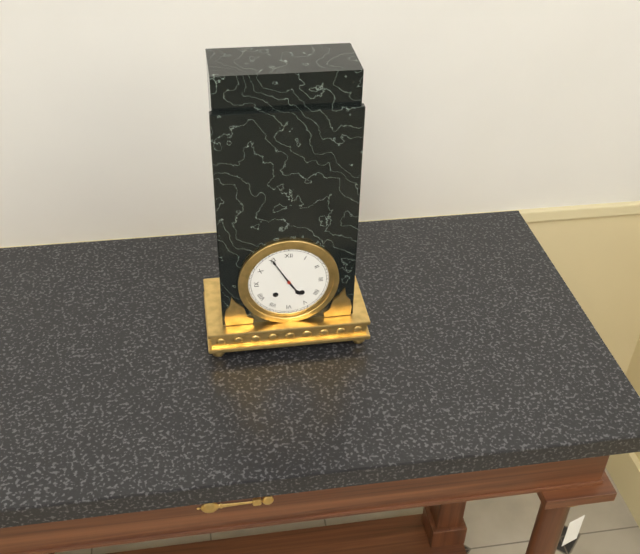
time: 4:55
